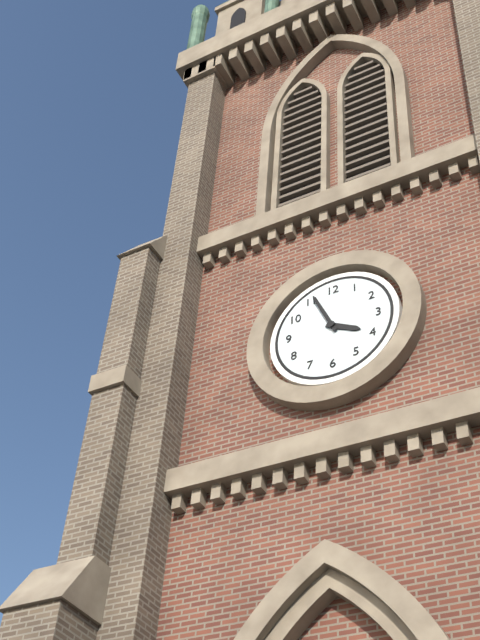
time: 3:56
